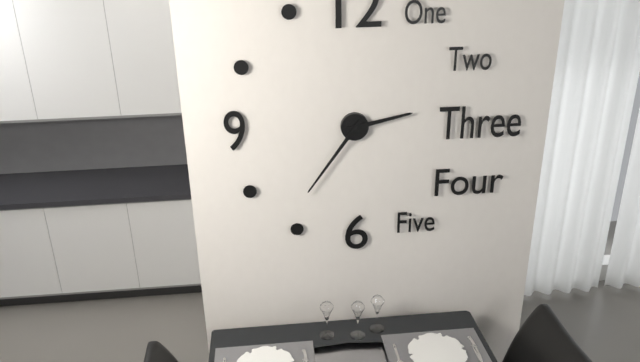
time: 2:36
